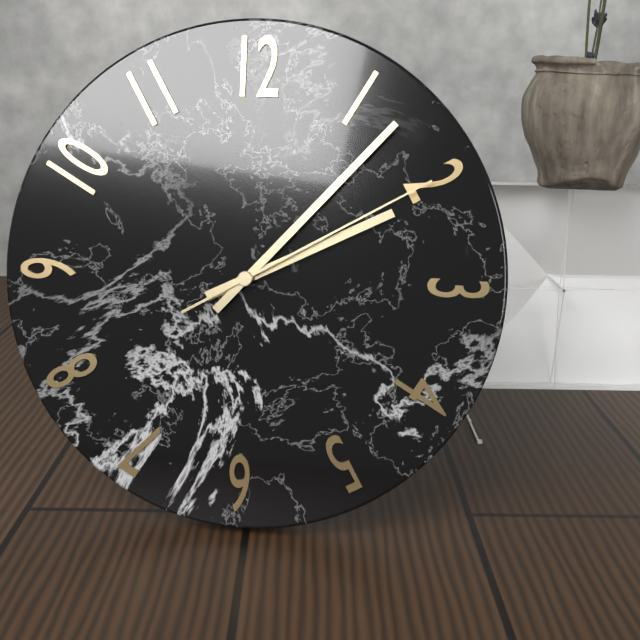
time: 2:07:10
